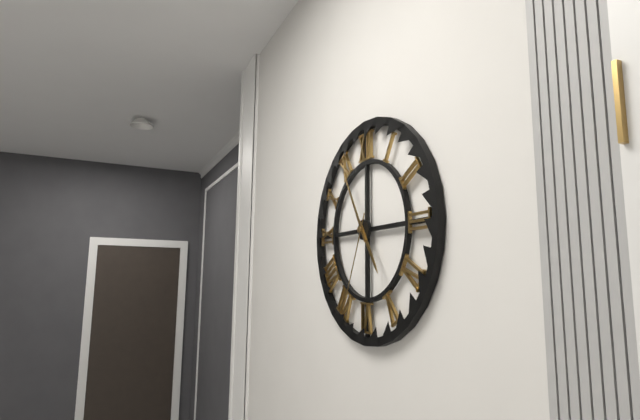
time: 4:55:34
